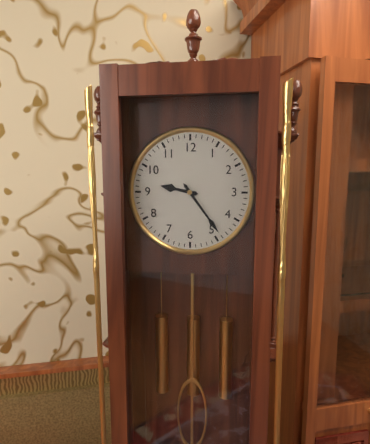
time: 9:24
